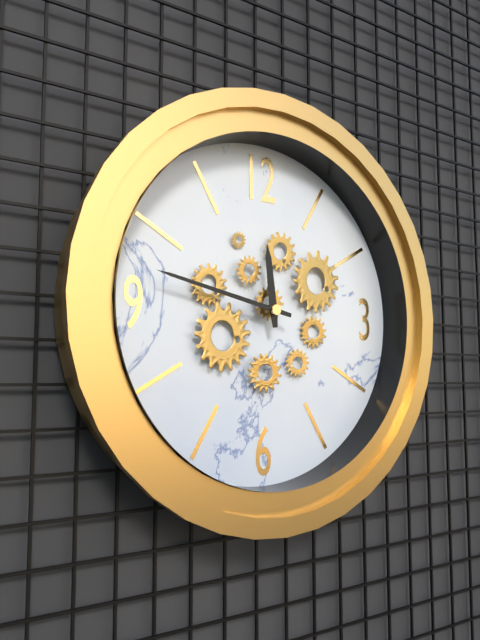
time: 11:47
